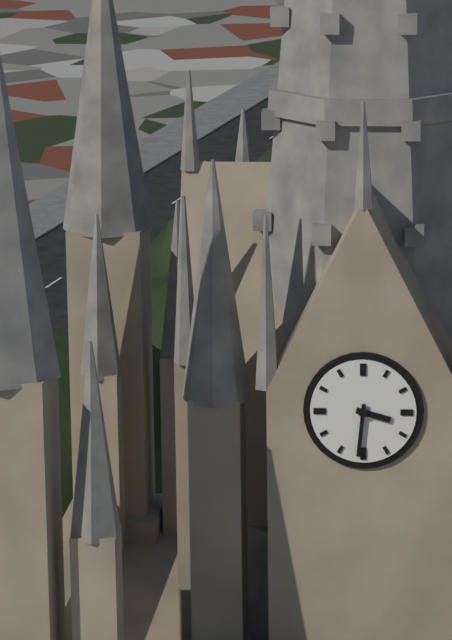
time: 3:31
